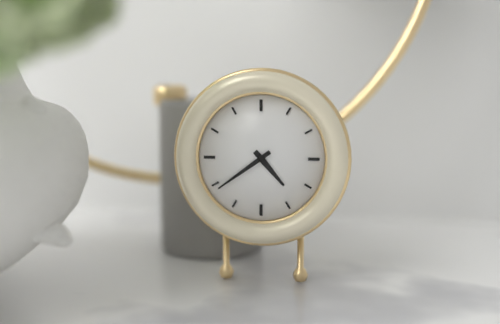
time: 4:39
